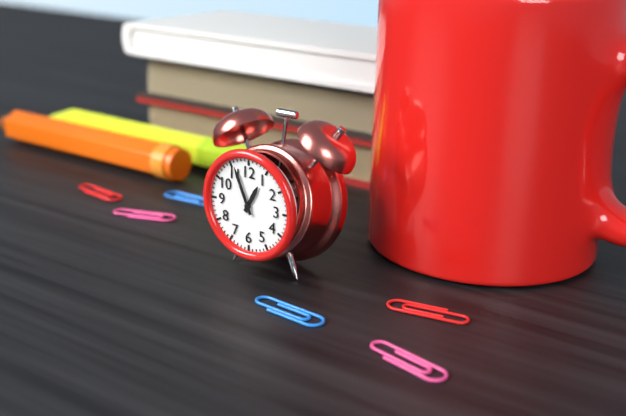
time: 12:56
